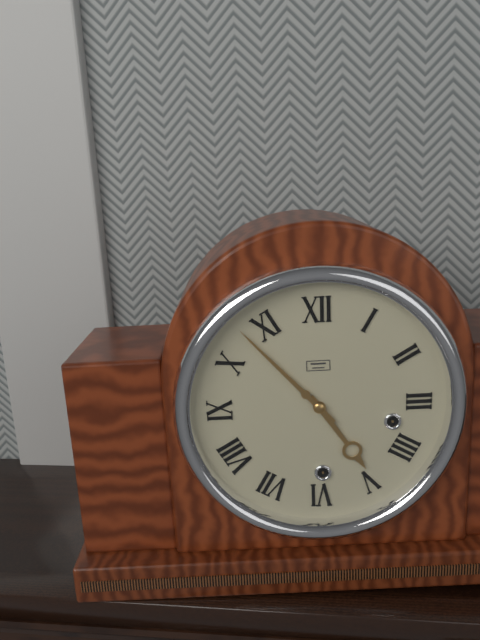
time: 4:53
